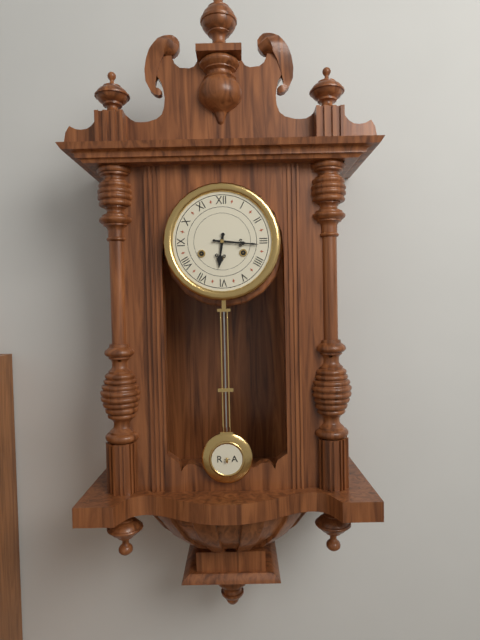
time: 6:16
